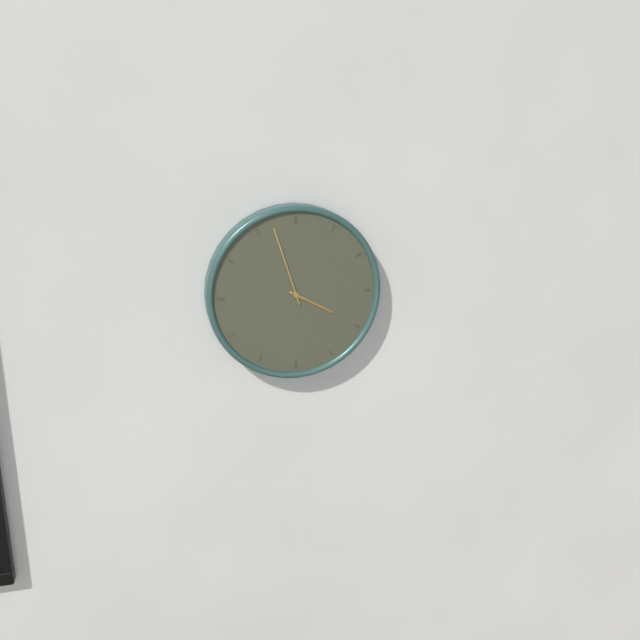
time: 3:57
